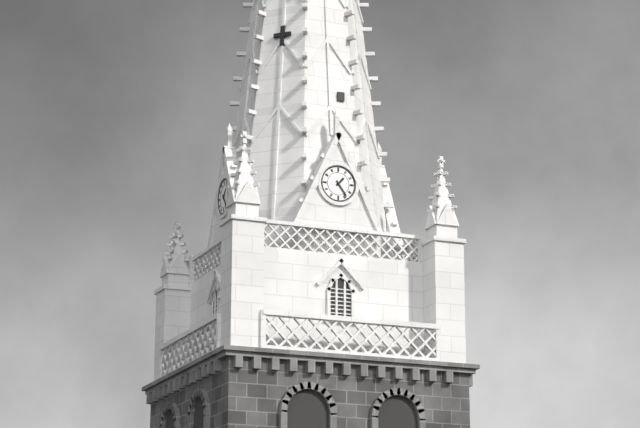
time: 1:24
